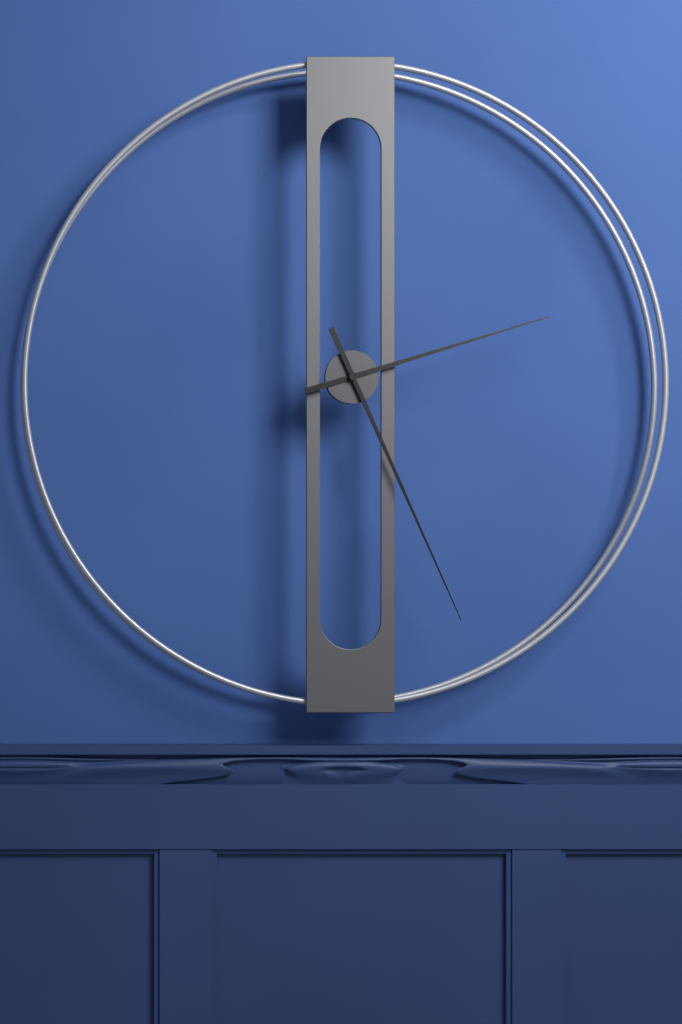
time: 2:26
